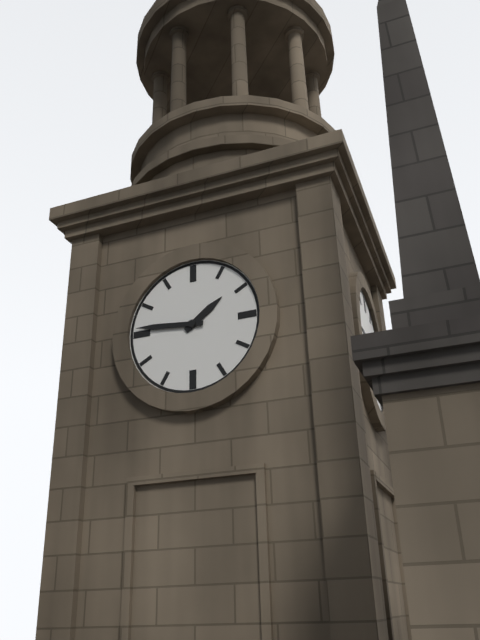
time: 1:46
